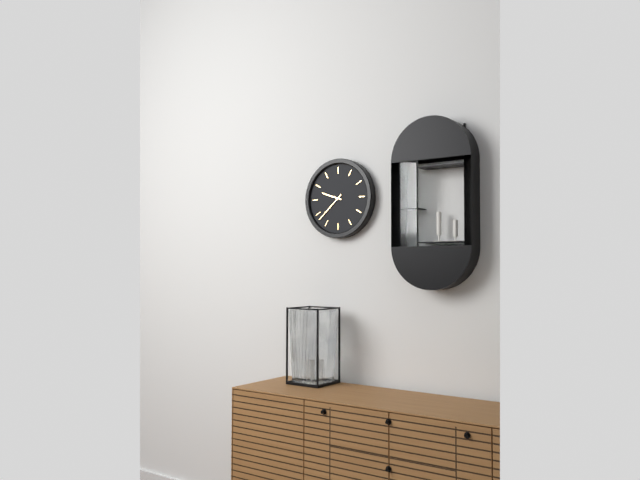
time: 9:38
